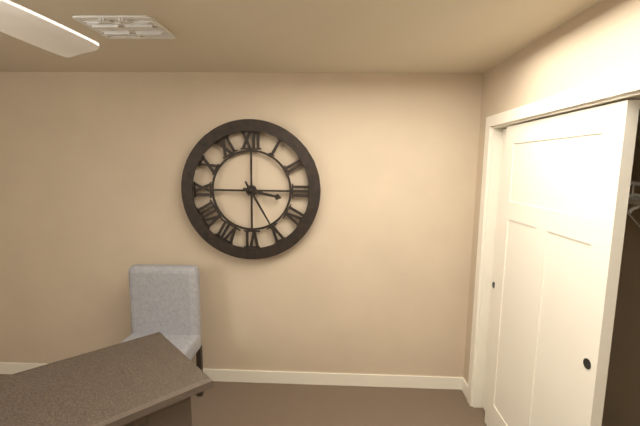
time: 3:25
